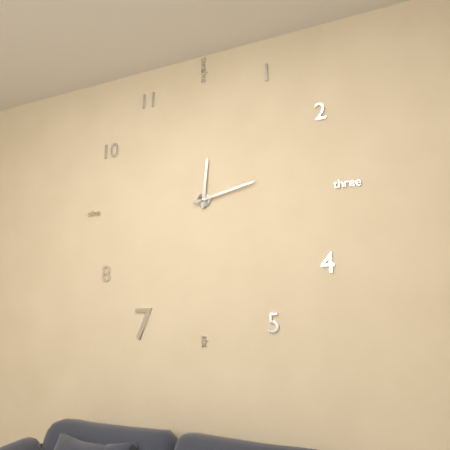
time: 12:13
